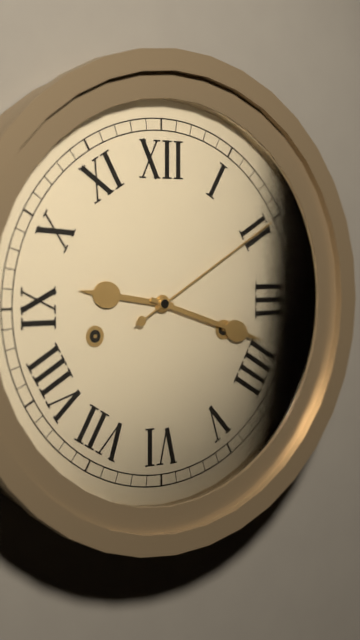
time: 9:18:10
